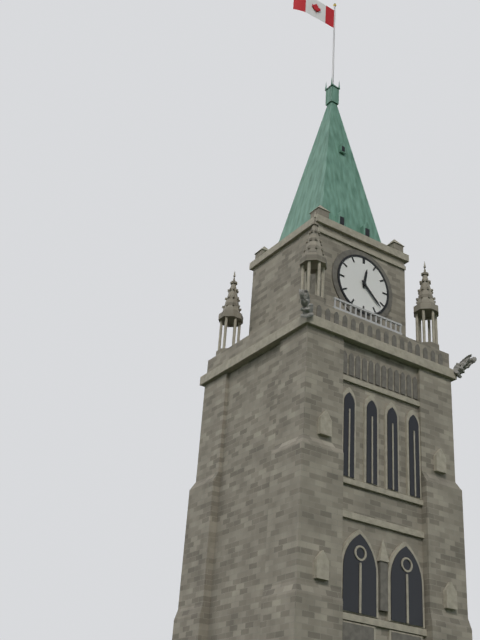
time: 12:22
